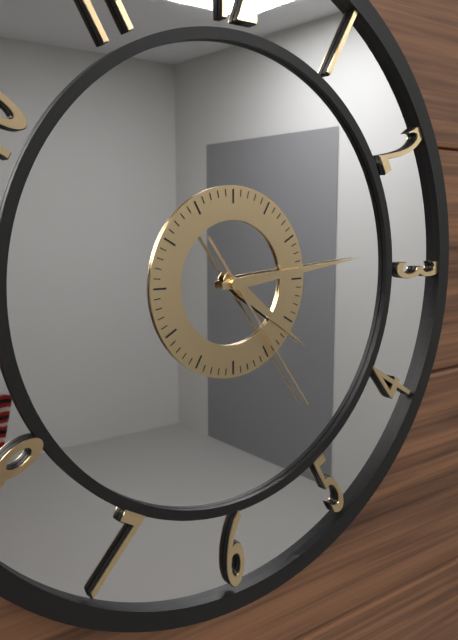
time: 4:14:24
